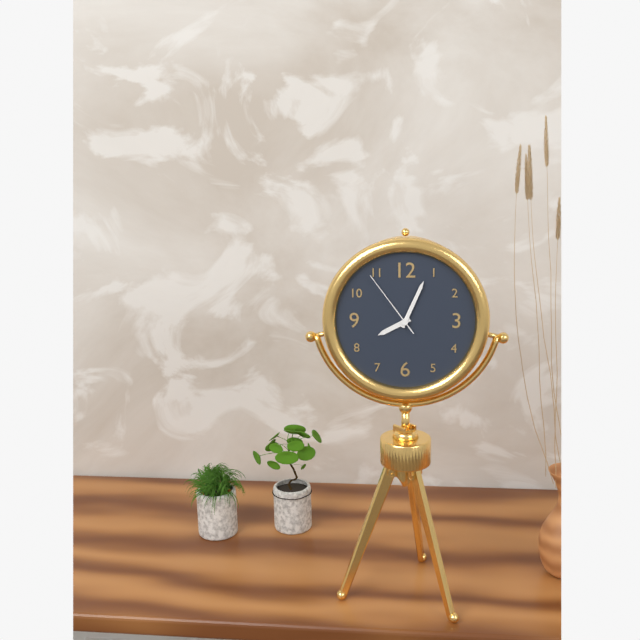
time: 8:04:54
